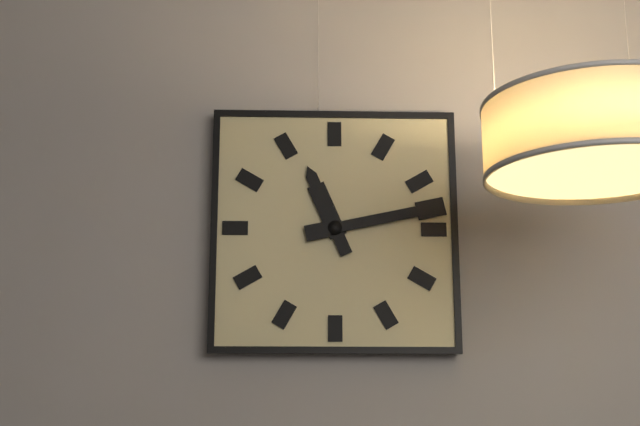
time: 11:13
